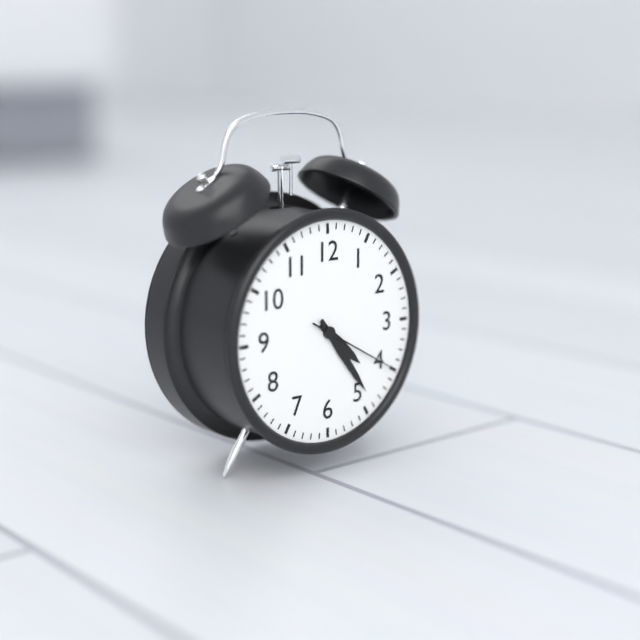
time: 4:24:20
